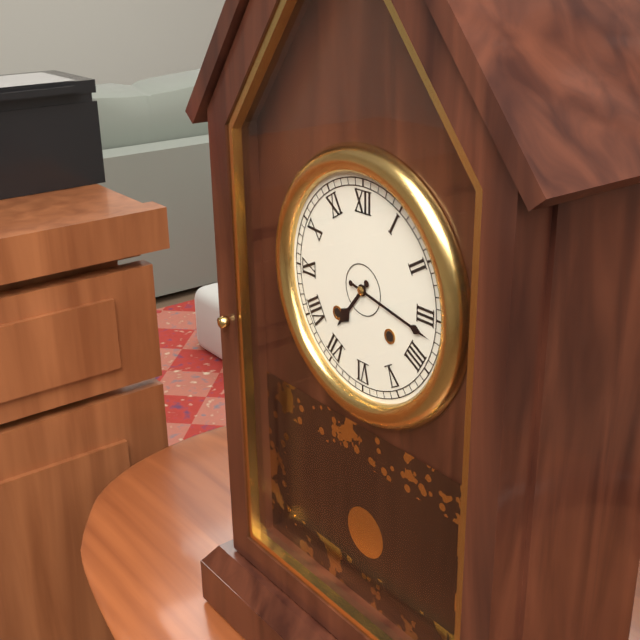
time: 7:17
